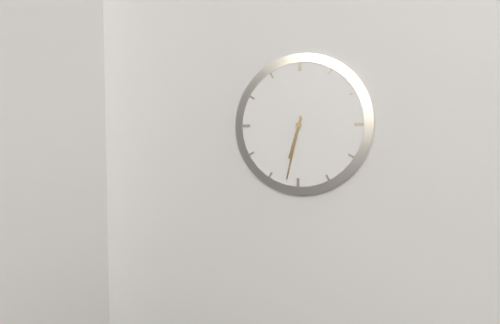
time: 6:32
